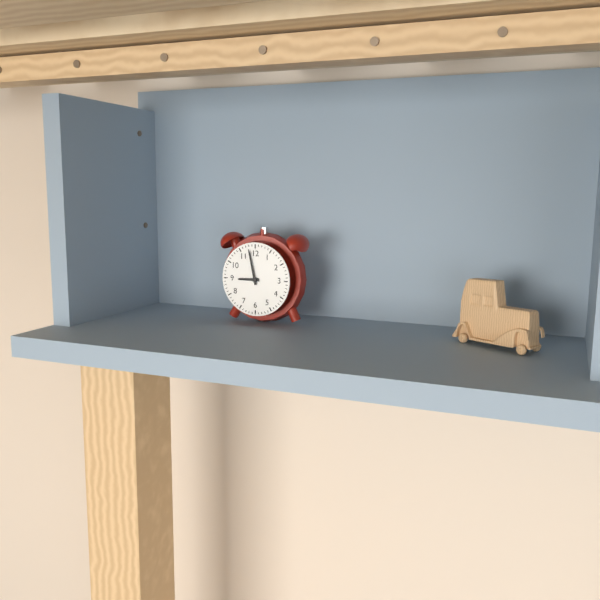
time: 8:58
